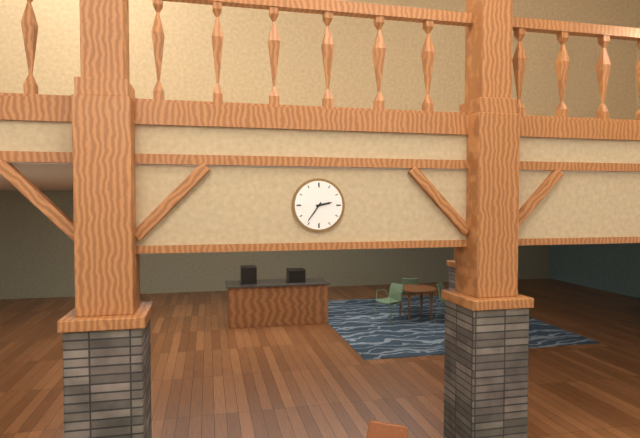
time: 2:36
